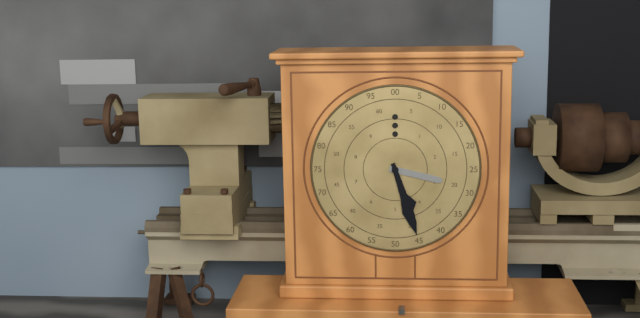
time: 3:27
